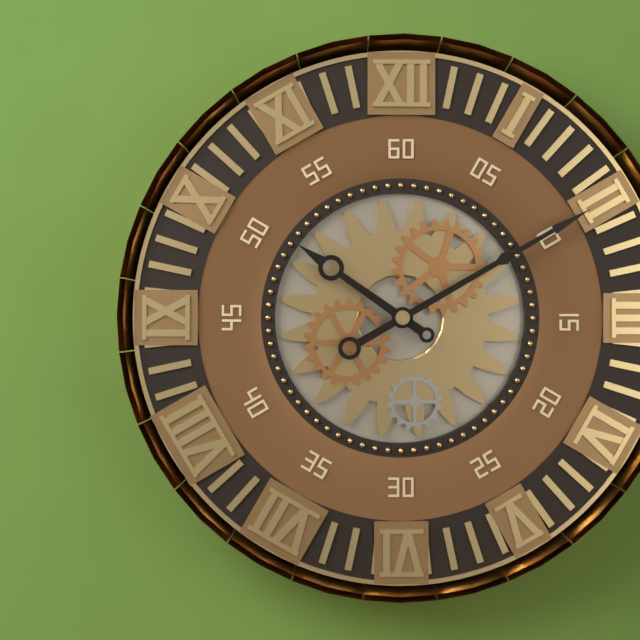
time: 10:10
